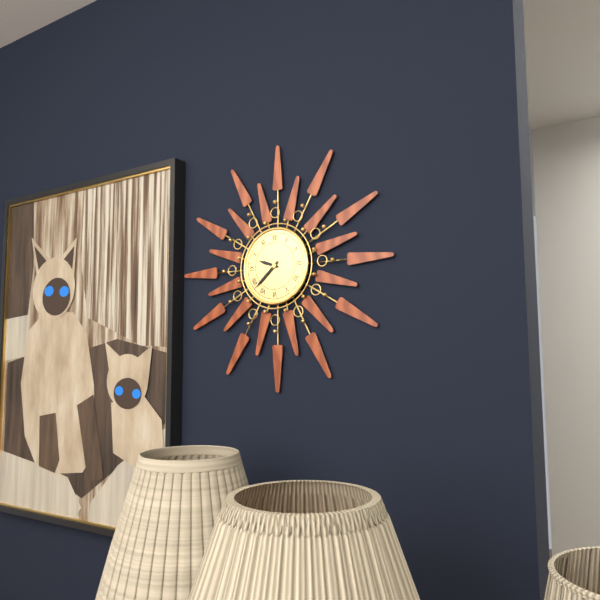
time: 9:38
